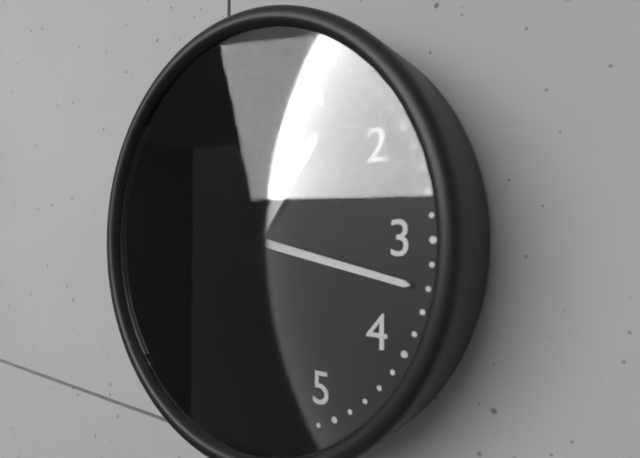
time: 1:17
